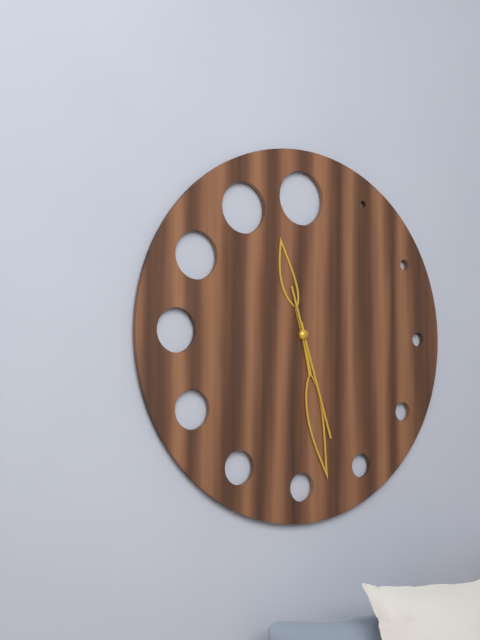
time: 11:28:27
